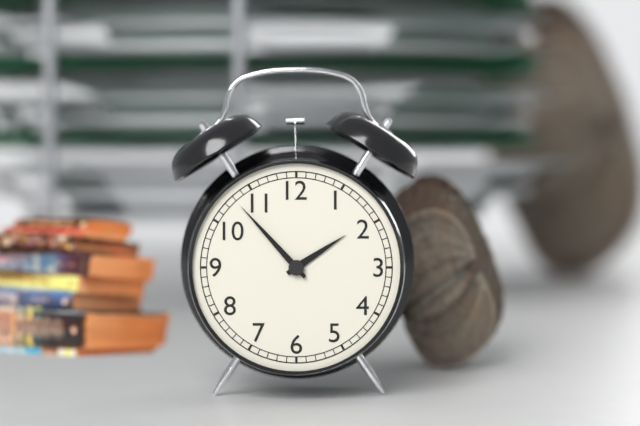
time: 1:53
